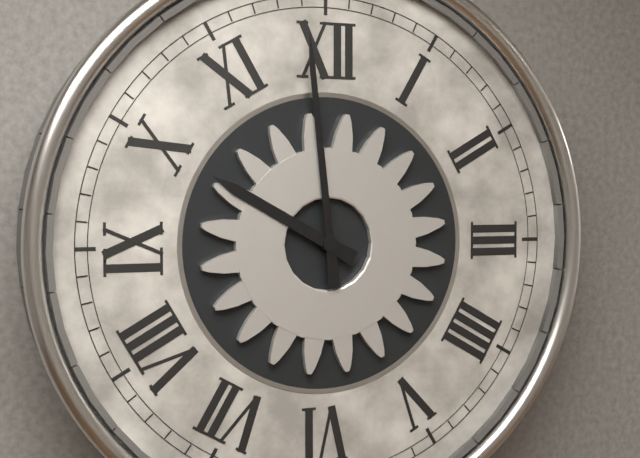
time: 9:59
